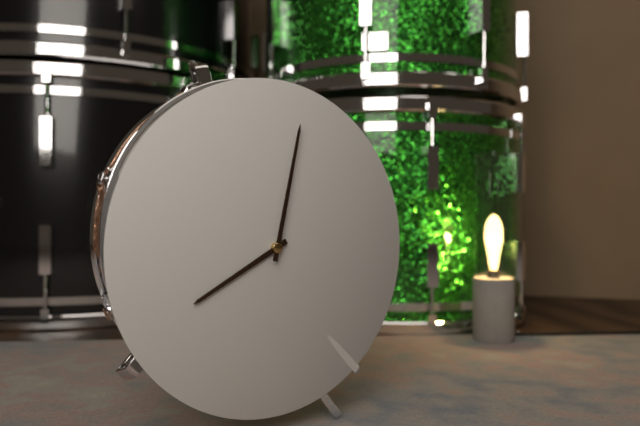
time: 8:02
